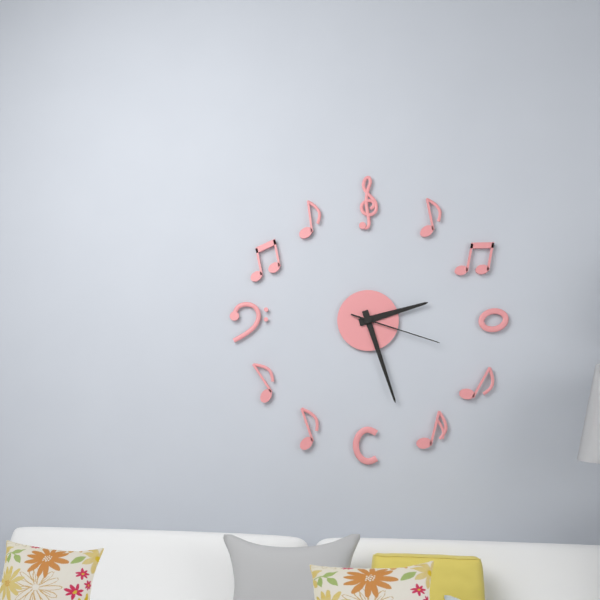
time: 2:27:18
